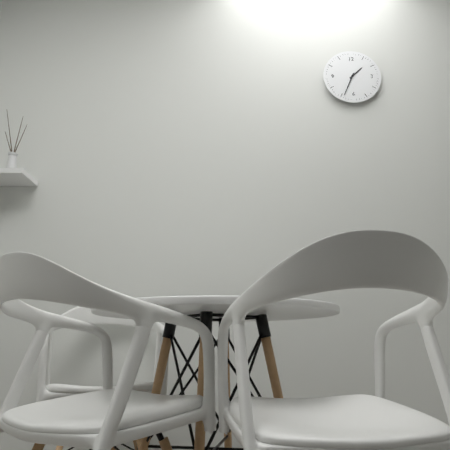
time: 1:34
